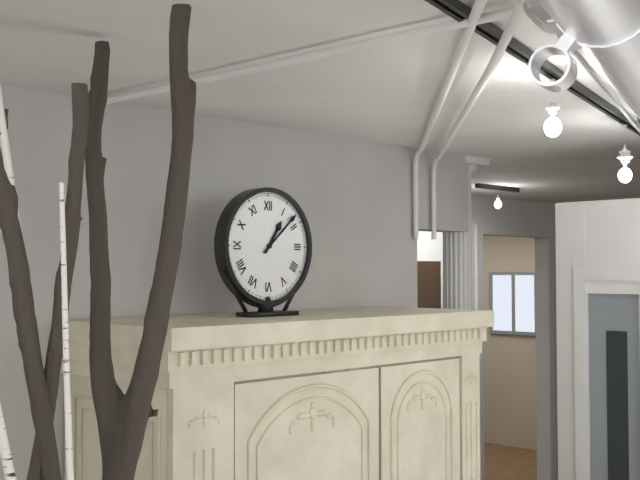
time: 1:08
